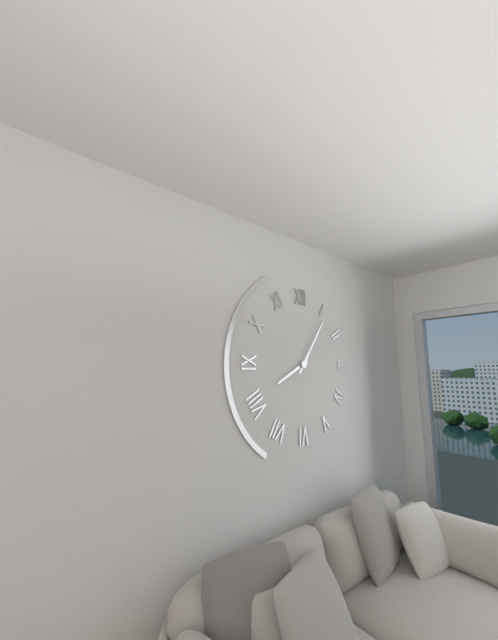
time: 8:06
